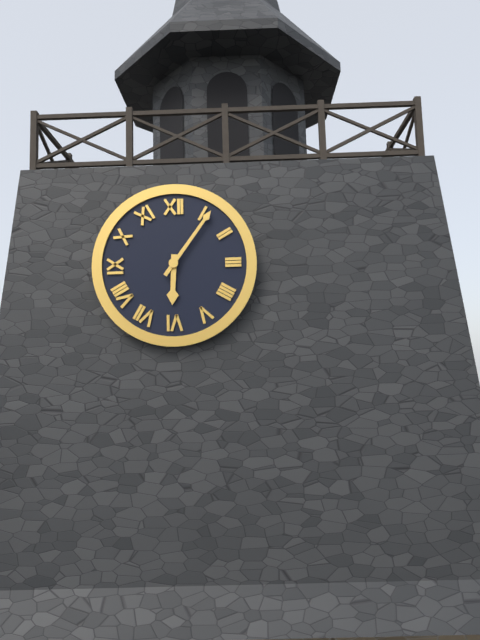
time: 6:06
